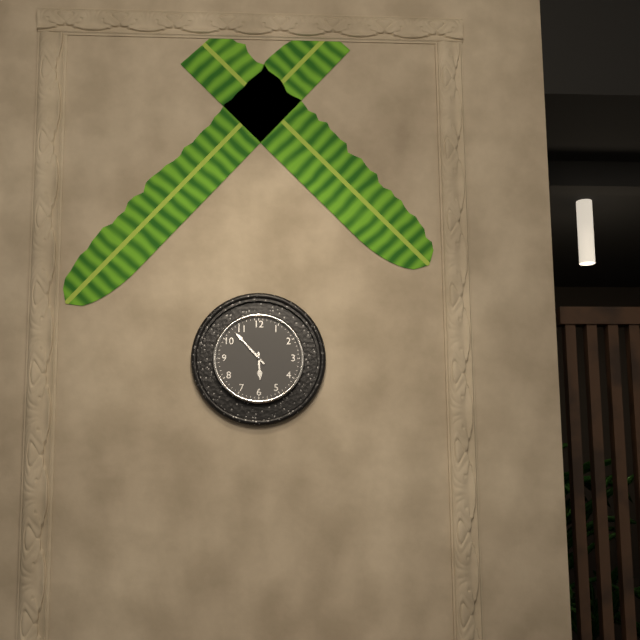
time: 5:53
